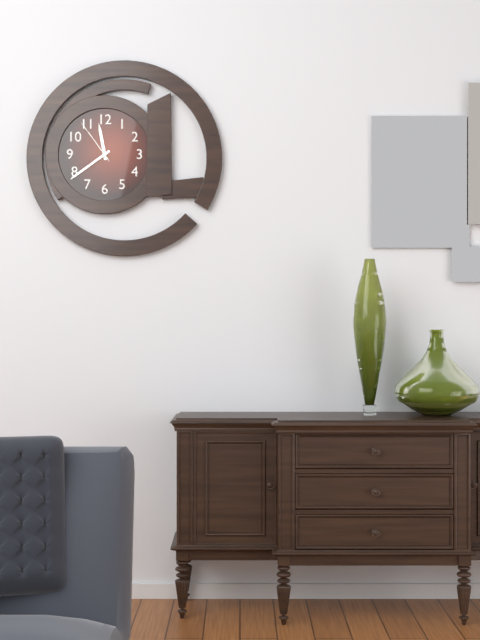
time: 11:39:54
